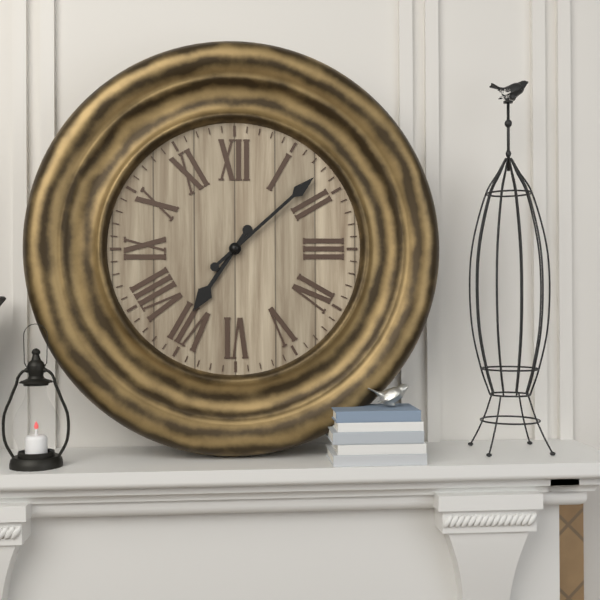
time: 7:08
